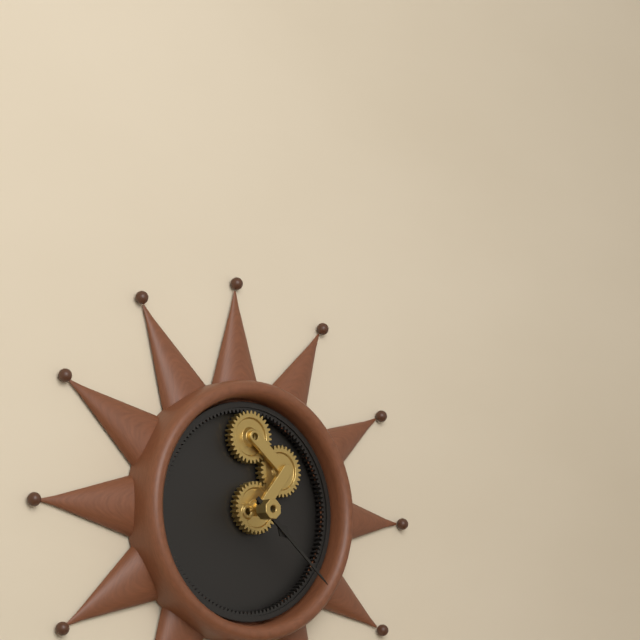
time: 4:22
